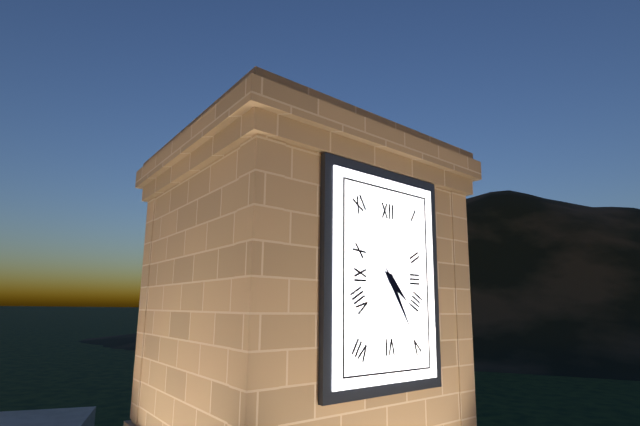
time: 4:25
